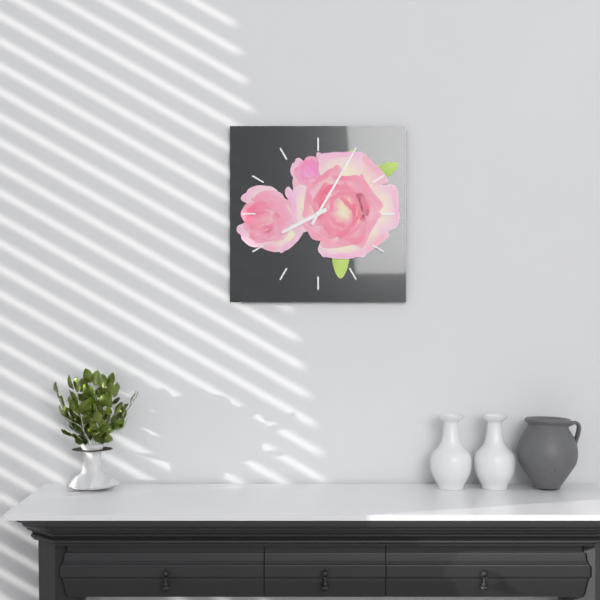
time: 8:05
